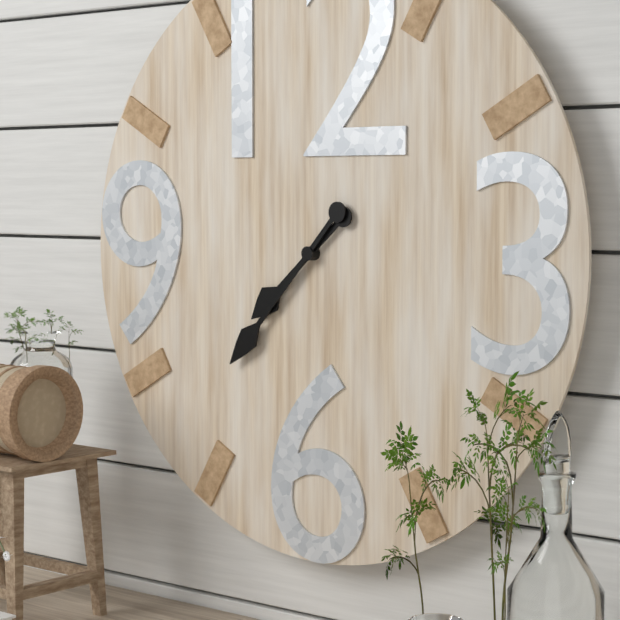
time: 7:37
